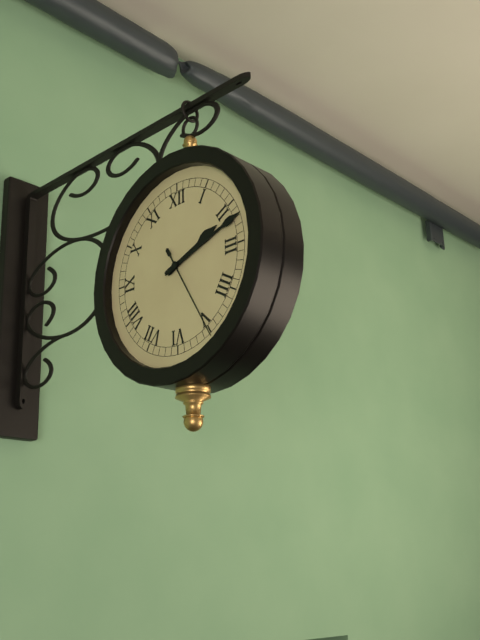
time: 2:12:25
